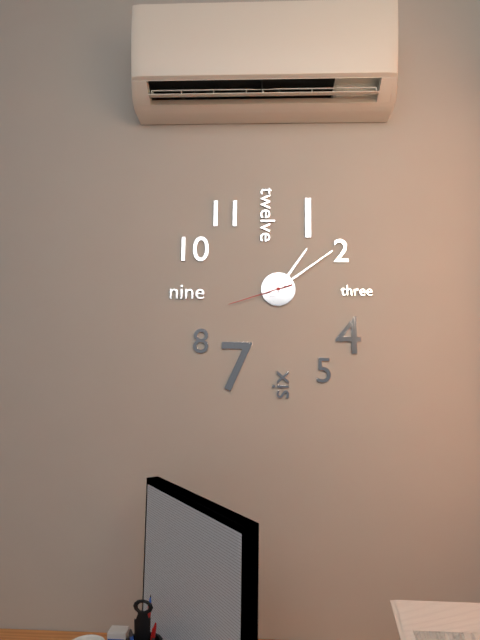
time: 1:09:42
